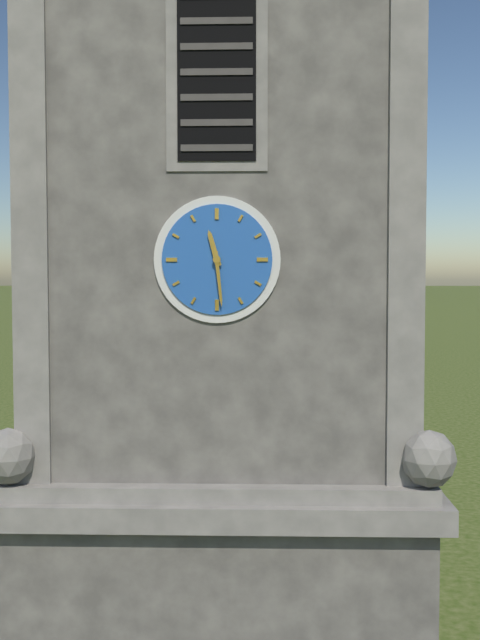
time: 11:29
